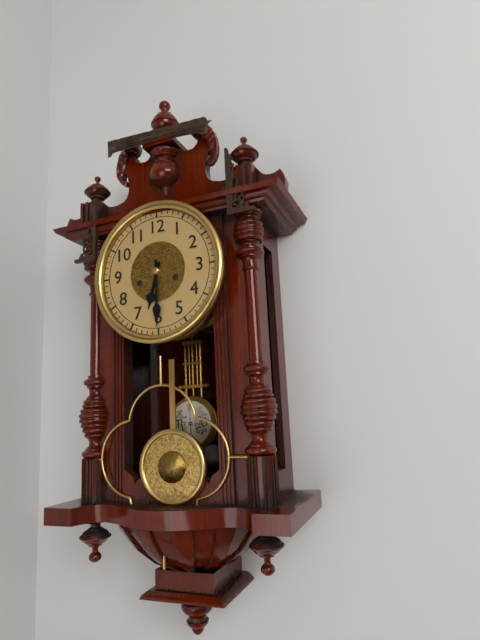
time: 6:30
